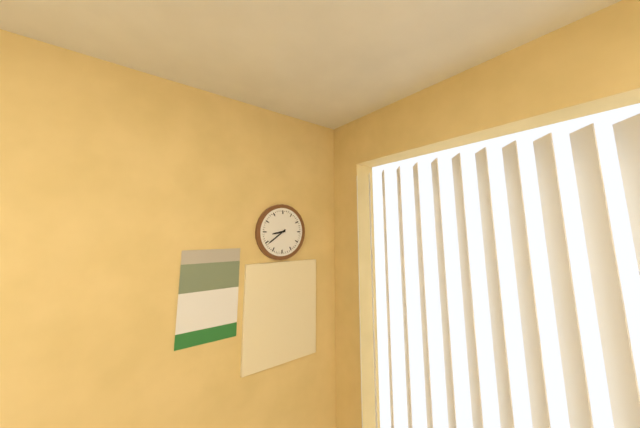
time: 8:39
